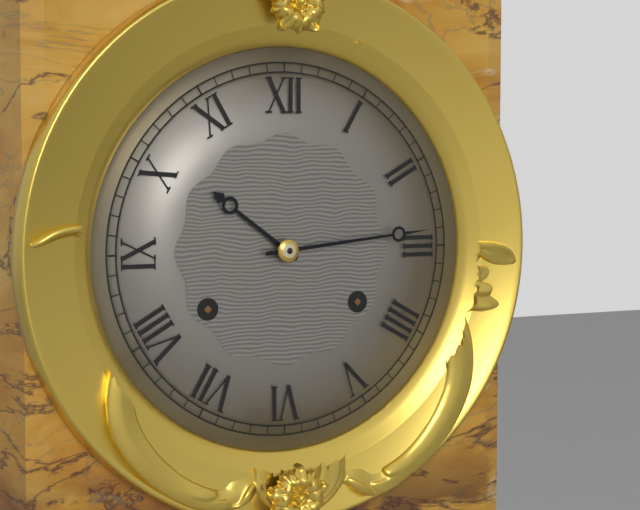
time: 10:14
